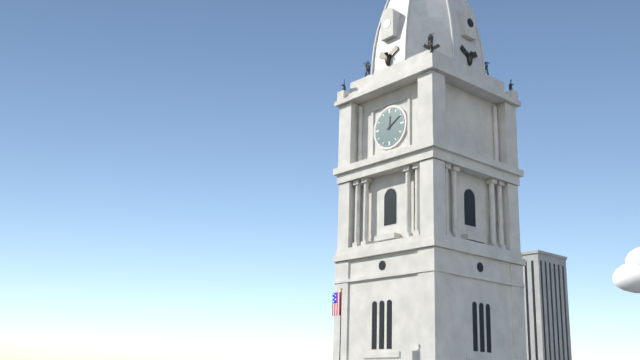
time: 12:10
